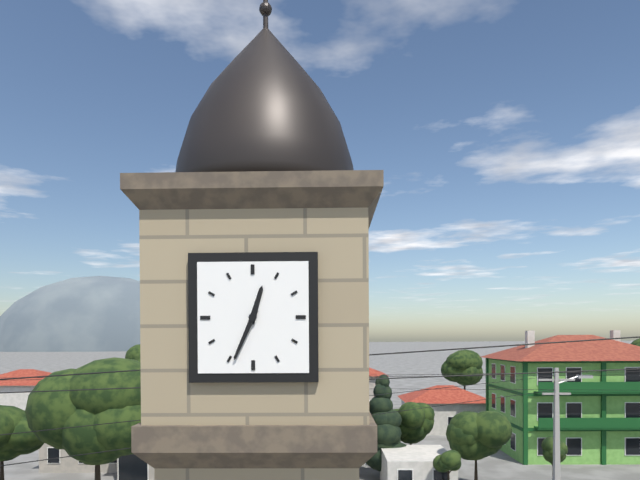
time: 12:34
